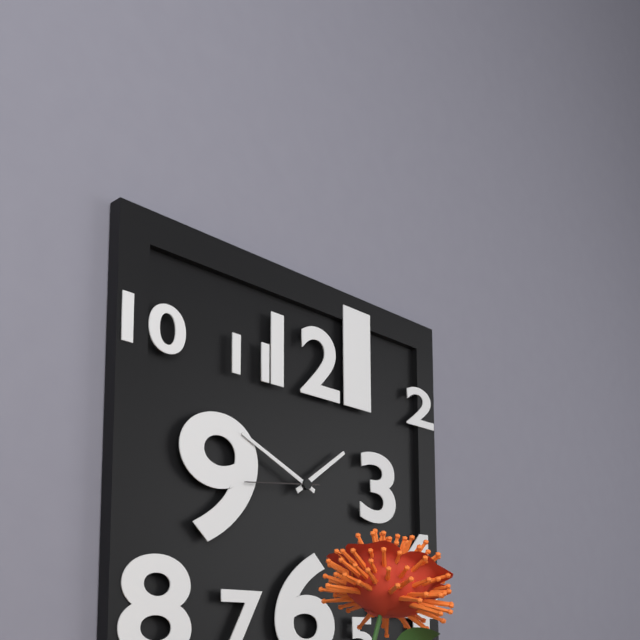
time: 1:49:44
